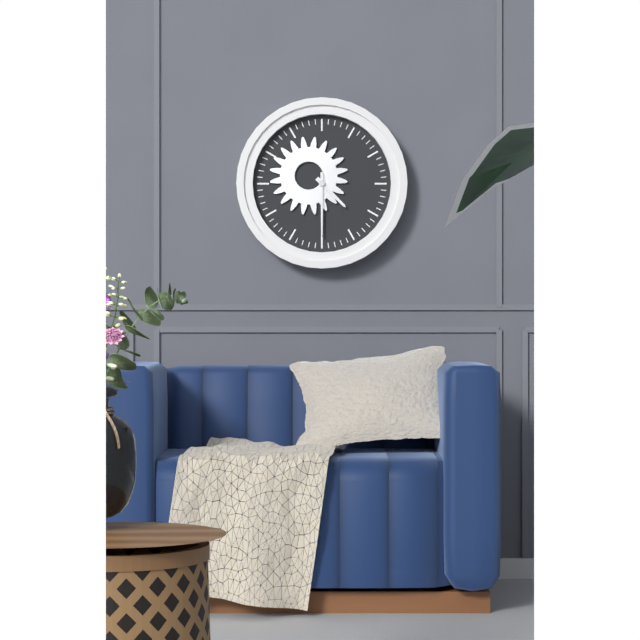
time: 4:30
